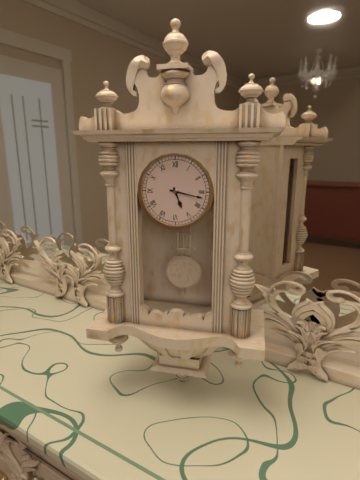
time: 5:17
